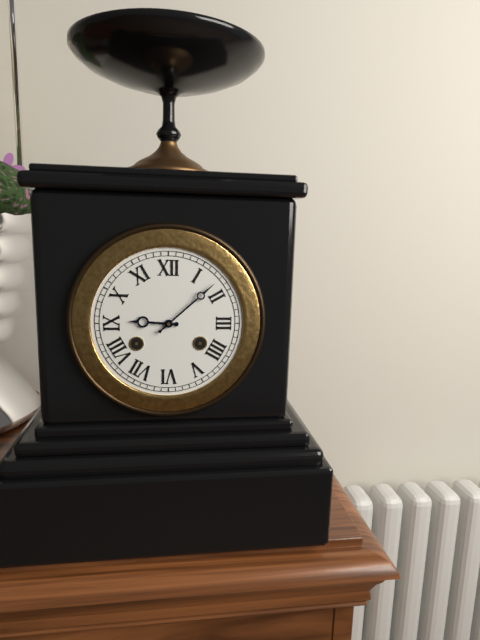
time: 9:08
